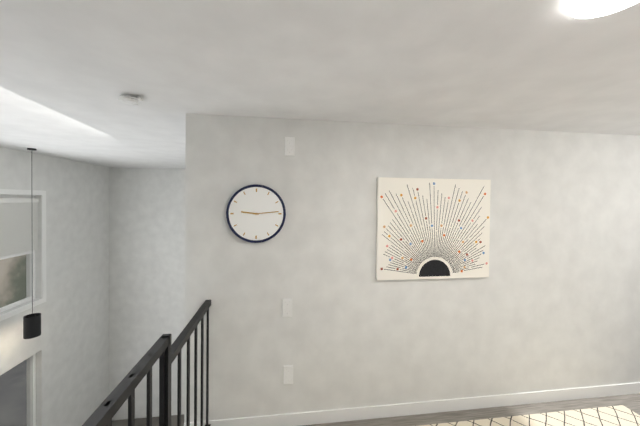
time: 9:14
